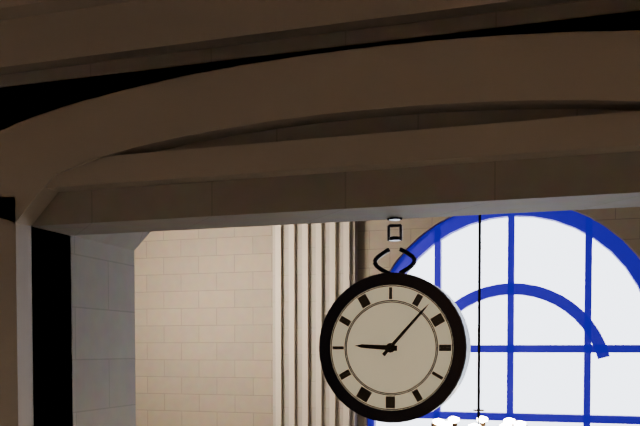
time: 9:07
